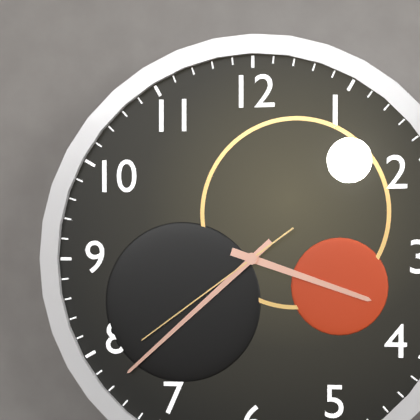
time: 3:38:39
